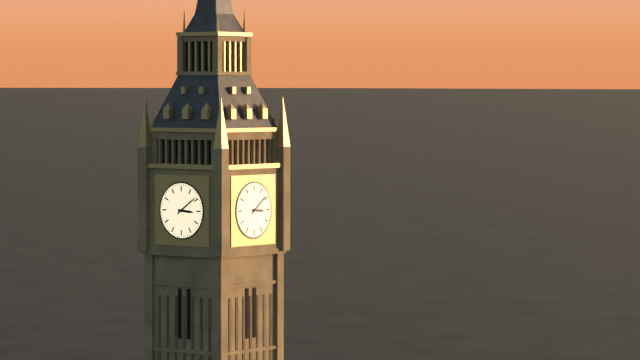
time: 3:09
